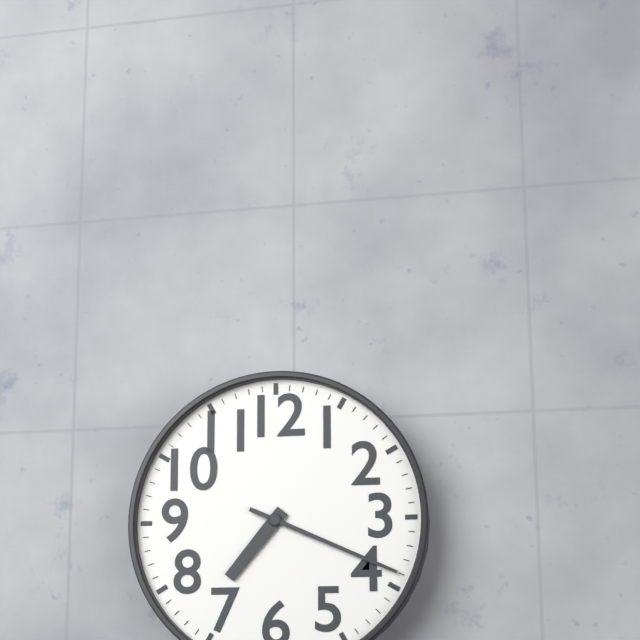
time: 7:19
